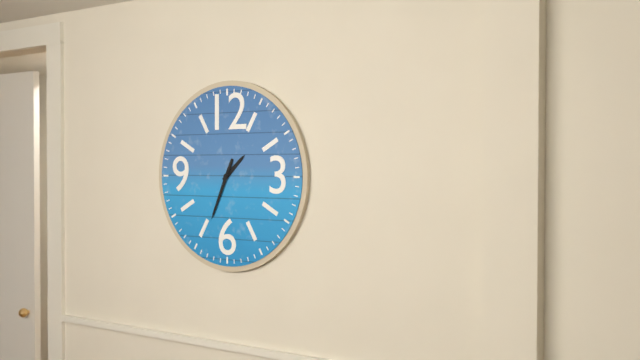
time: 1:34
